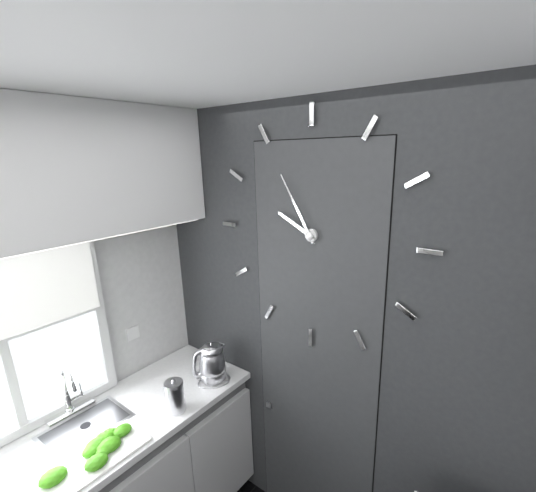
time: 9:55
